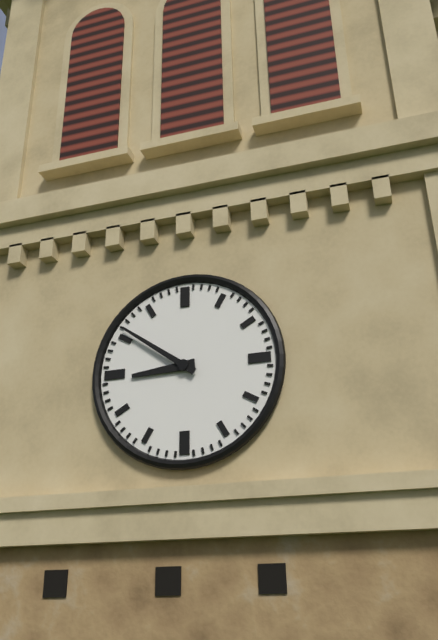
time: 8:51
